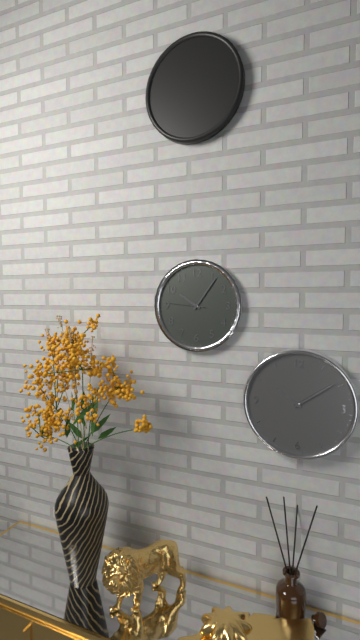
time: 10:06
